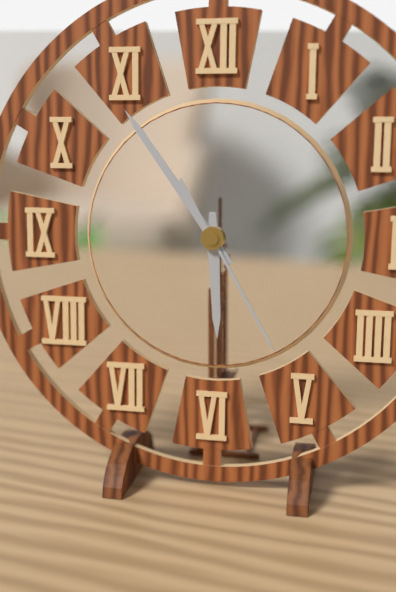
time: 5:54:25
